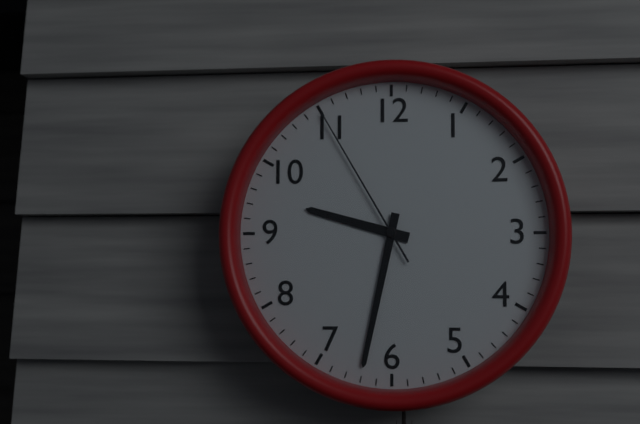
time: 9:32:55
